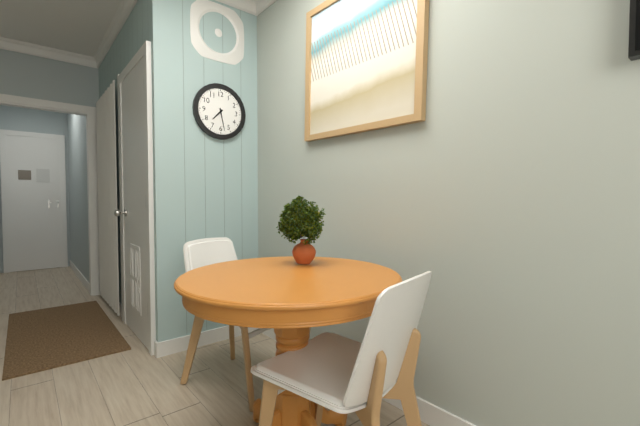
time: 7:28
